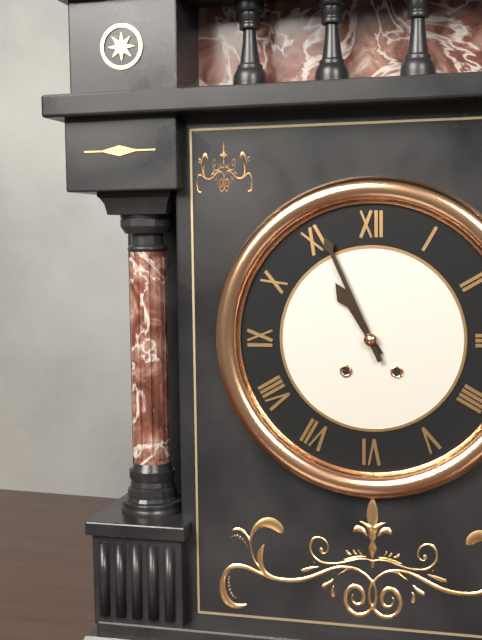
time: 10:56
